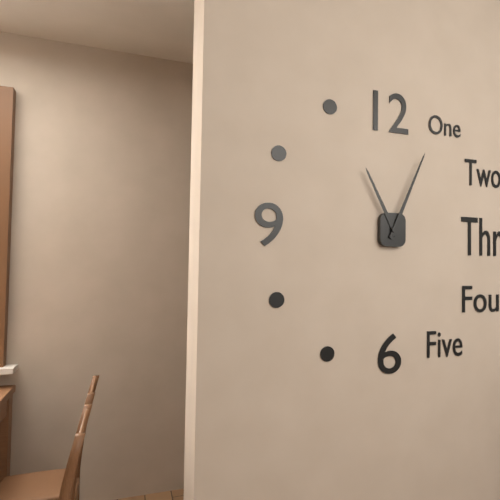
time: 11:04
